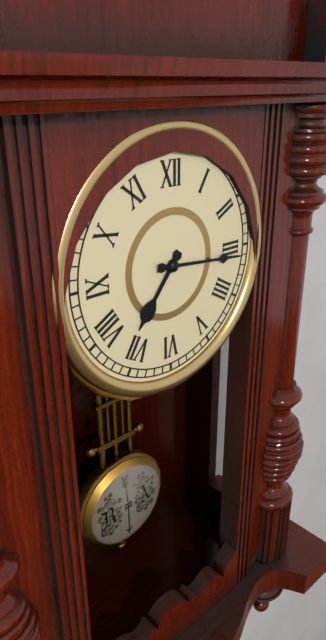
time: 7:16
